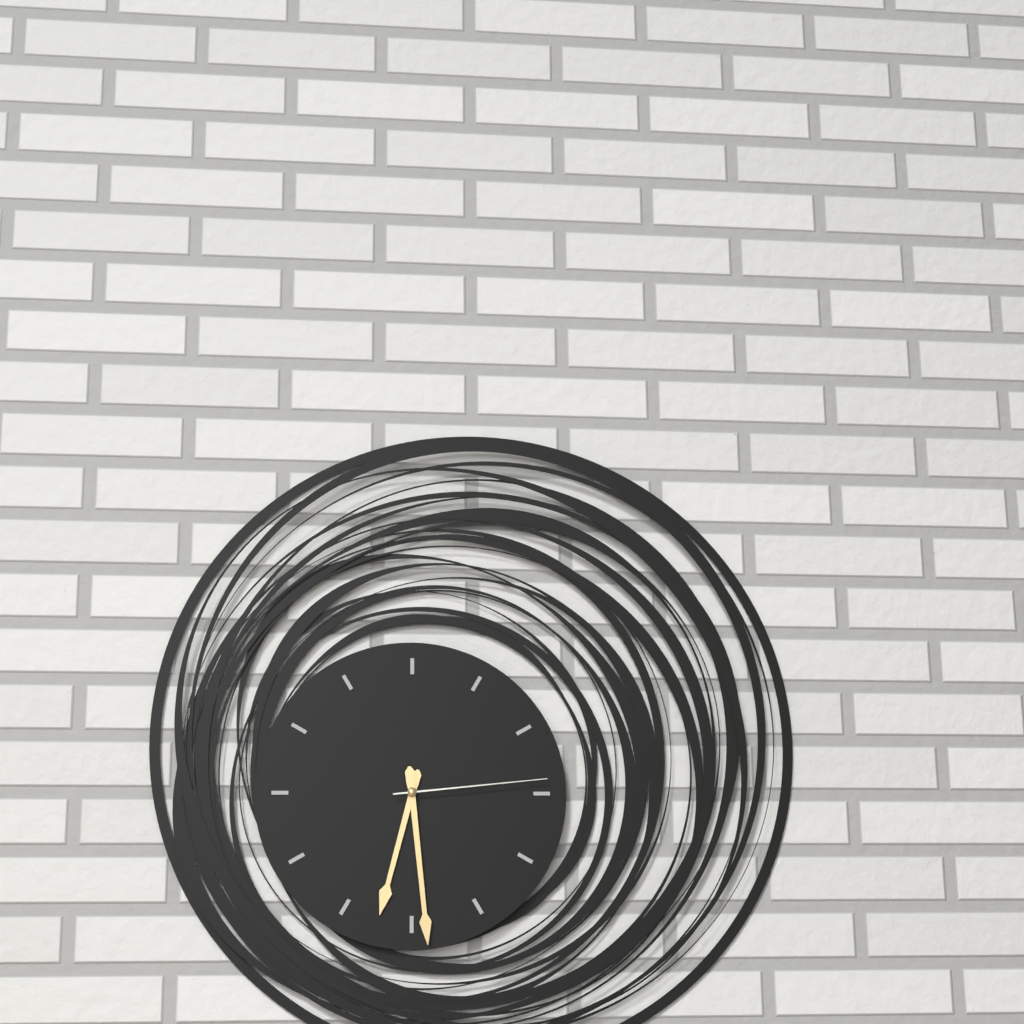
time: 6:29:14
